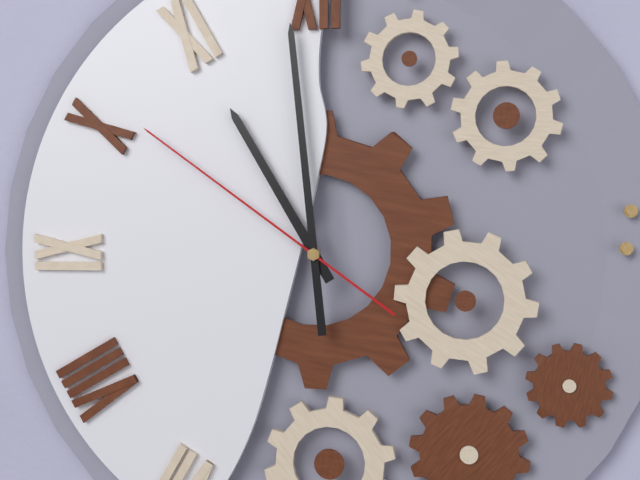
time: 10:59:51
